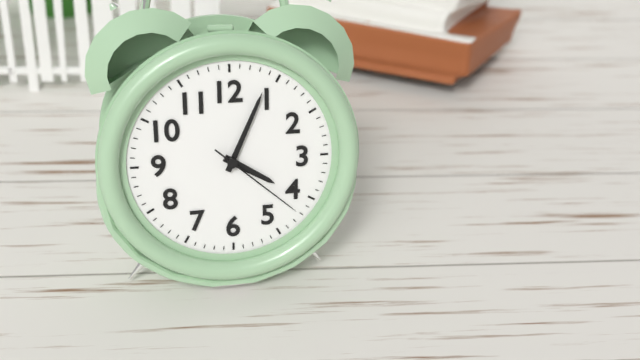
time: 4:04:22
